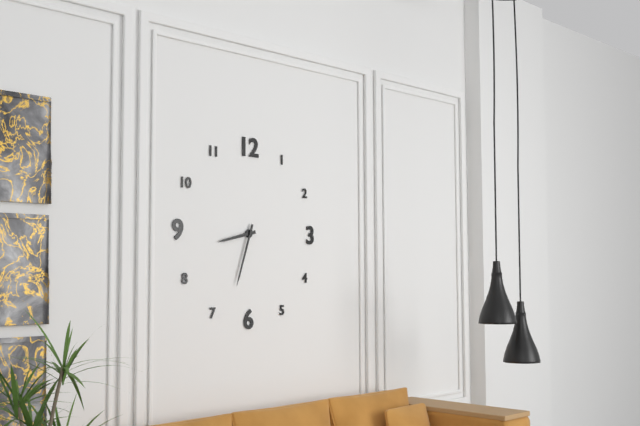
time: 8:33
